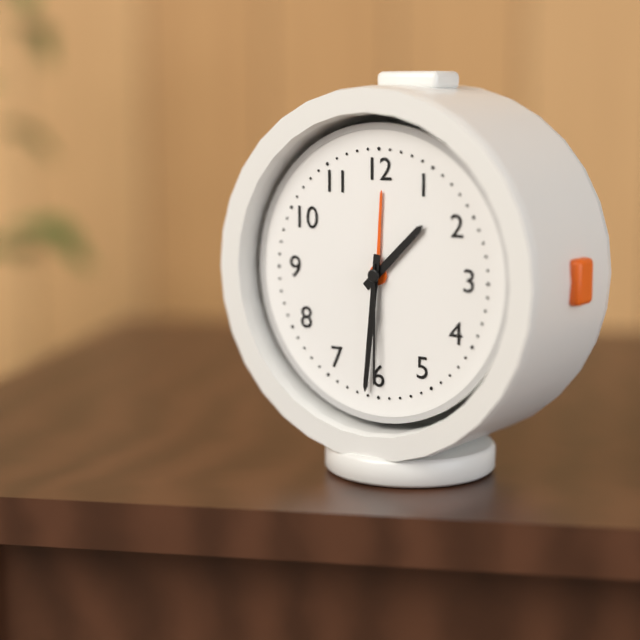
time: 1:31:30
